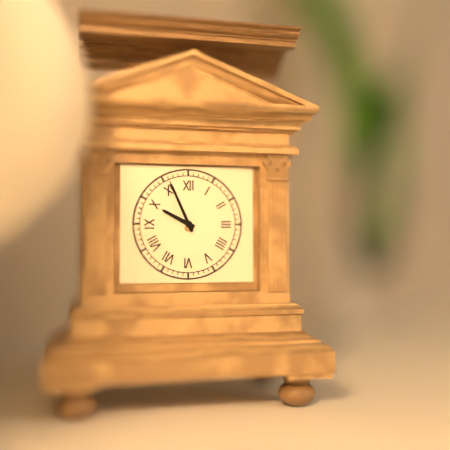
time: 9:56
